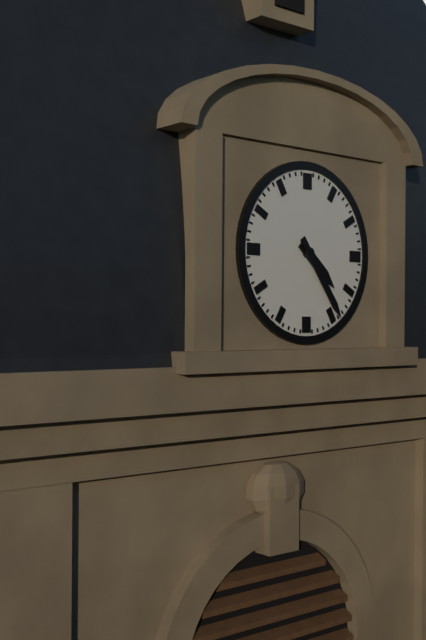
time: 4:24
